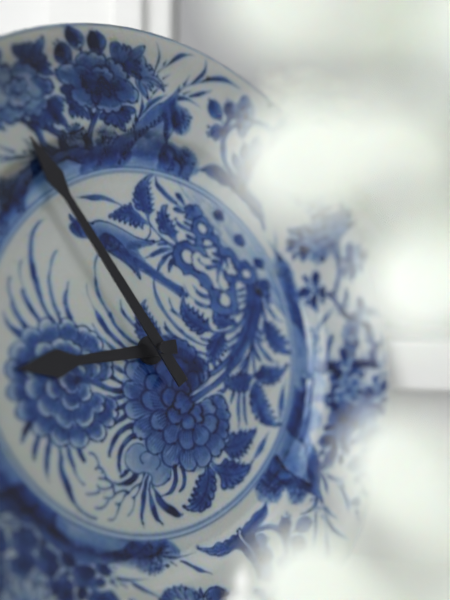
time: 8:55
